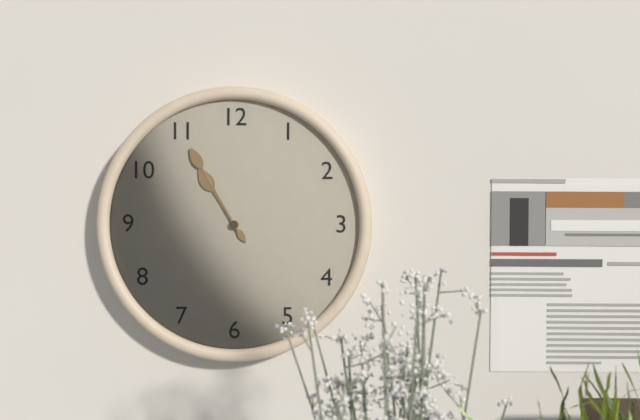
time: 10:55
